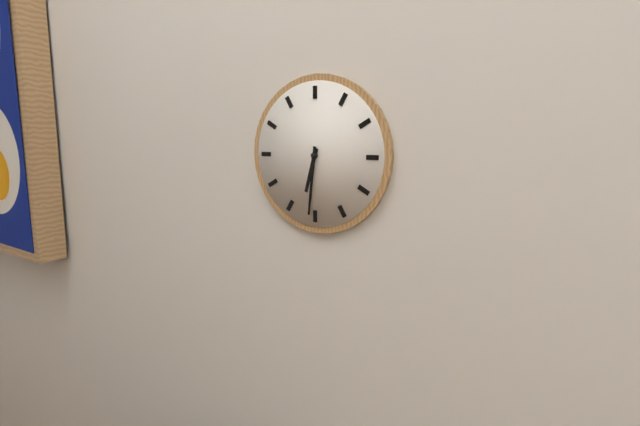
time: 6:31
